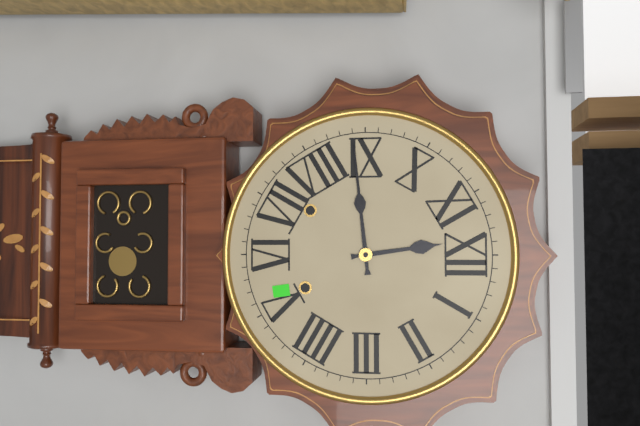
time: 11:44
